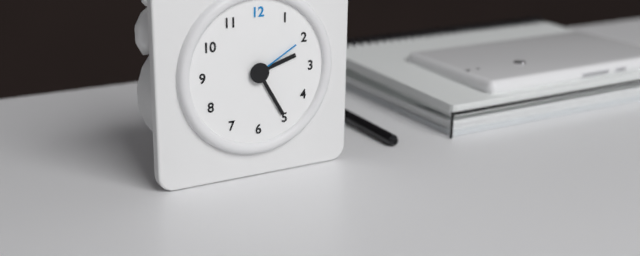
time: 2:25:10
